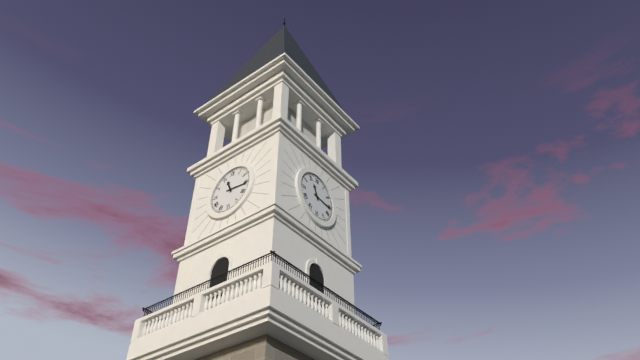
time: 11:16
